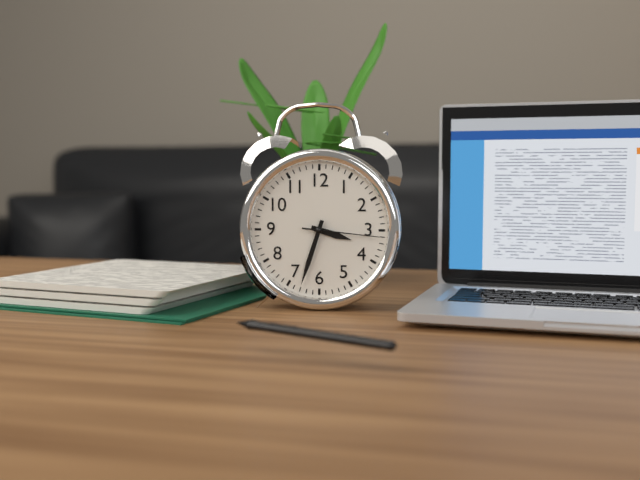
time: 3:33:16
